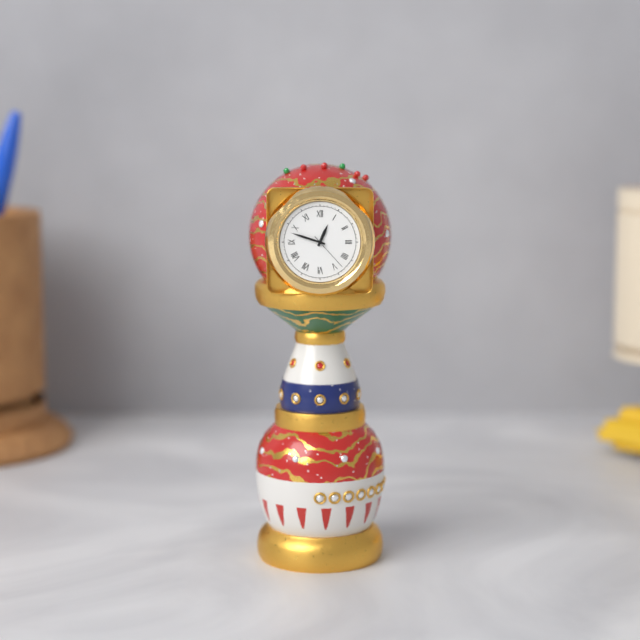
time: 12:48
